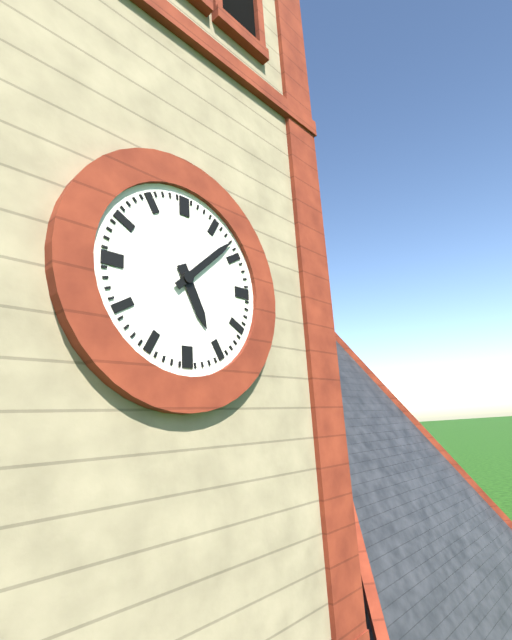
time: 5:08
